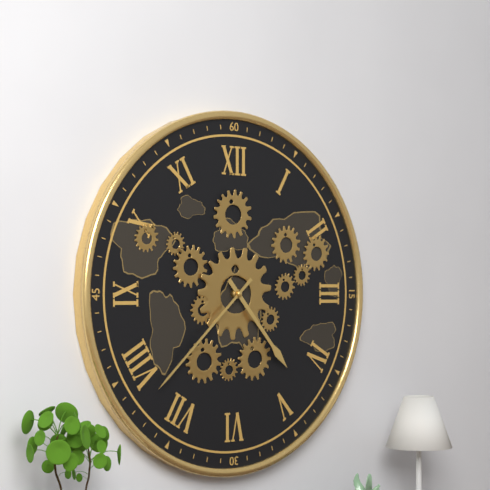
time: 4:38
